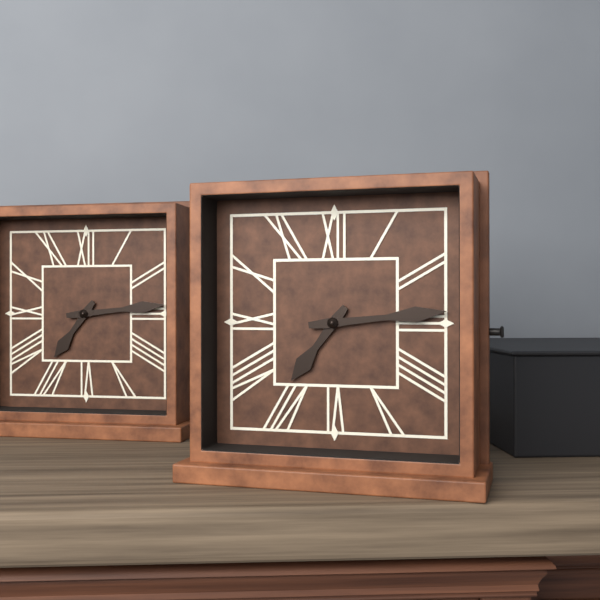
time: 7:14
